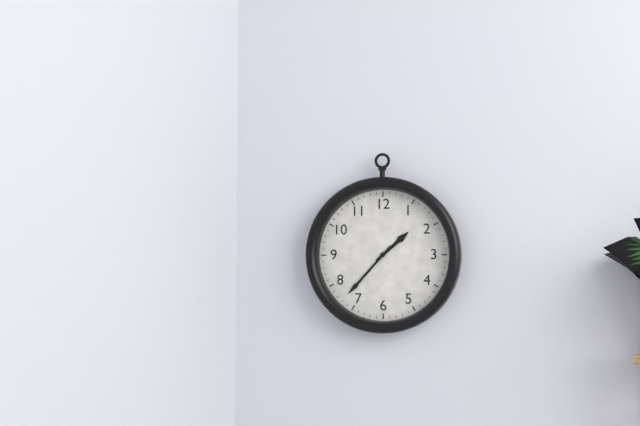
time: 1:37
